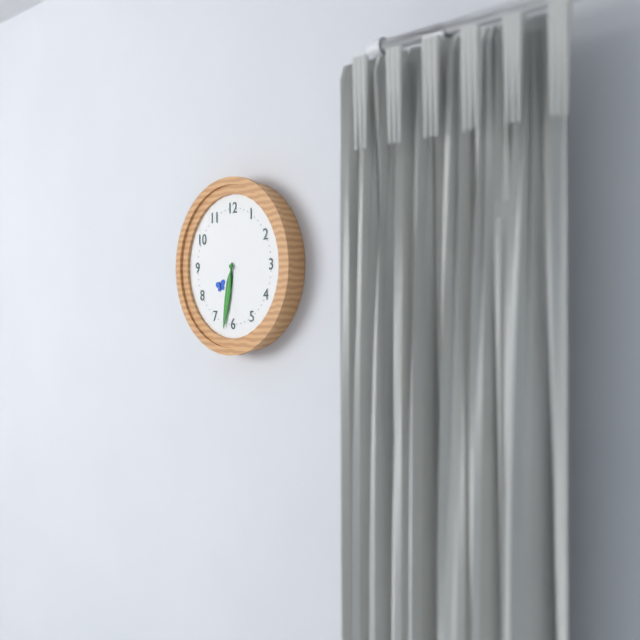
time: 6:32
